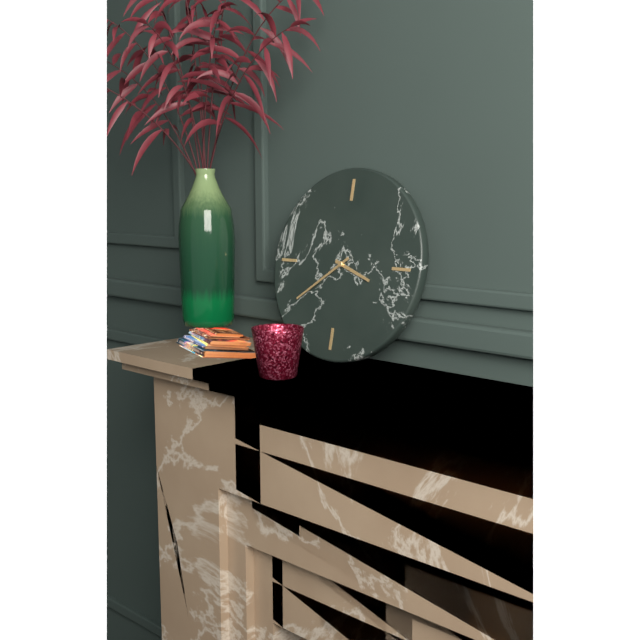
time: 3:39
